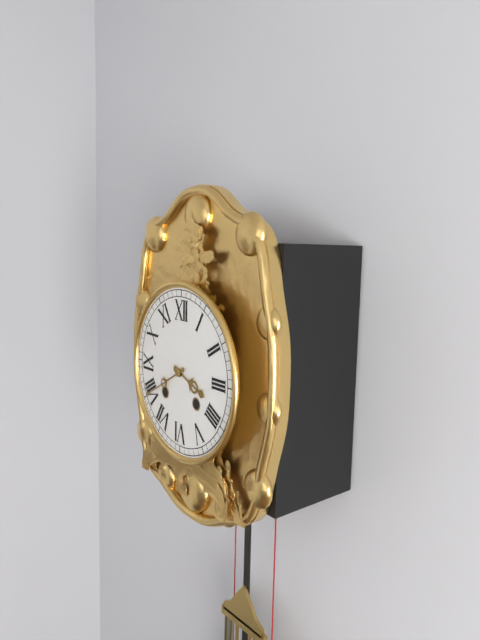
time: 3:40
